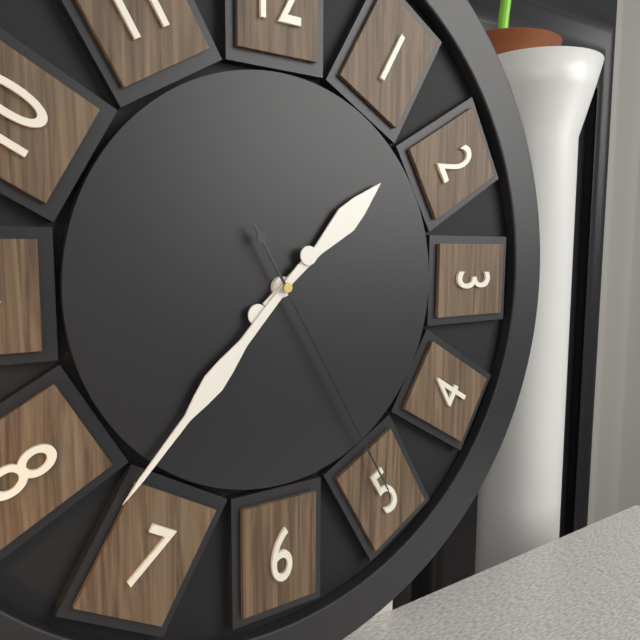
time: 1:37:25
